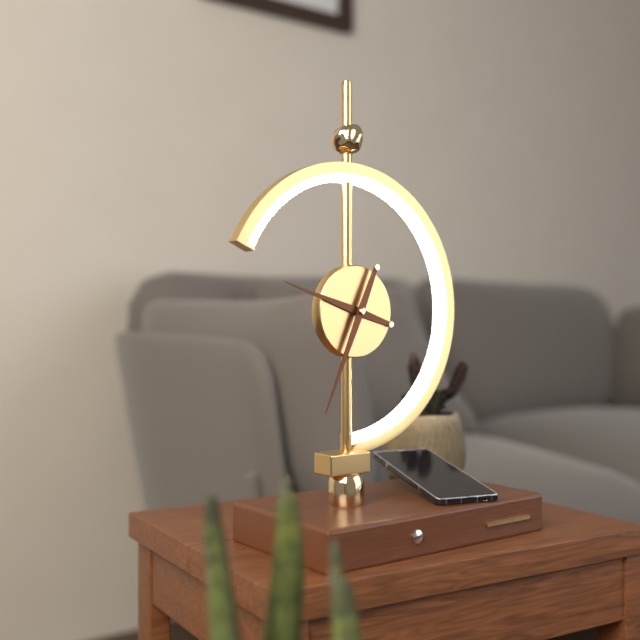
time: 9:34
